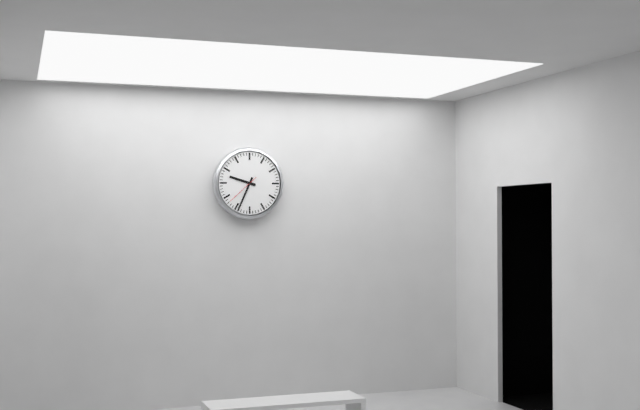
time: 9:34
